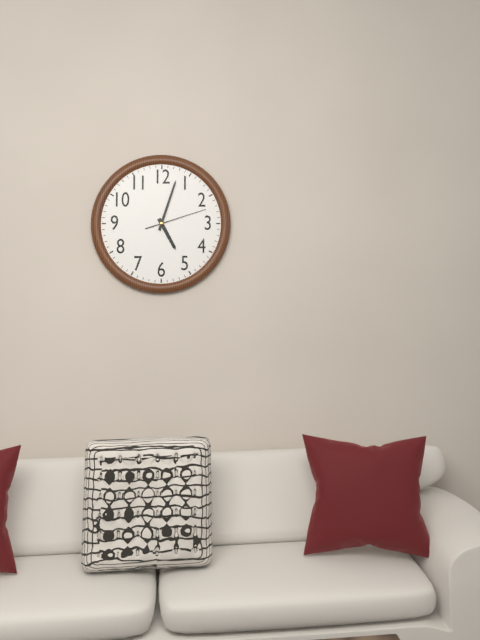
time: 5:03:12
